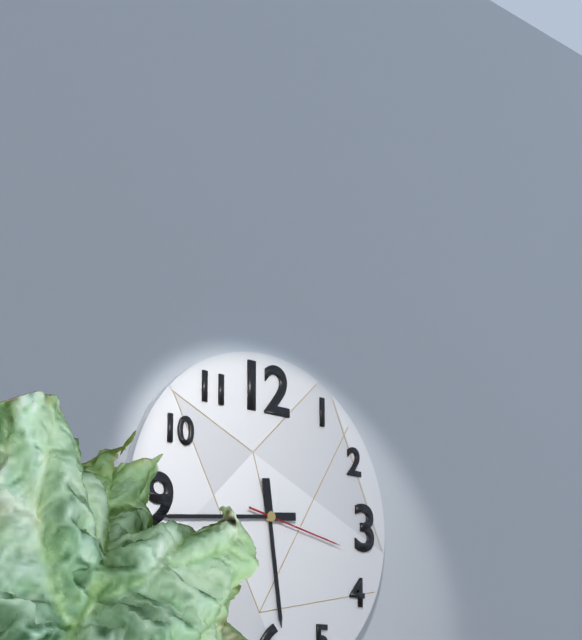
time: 5:44:17
